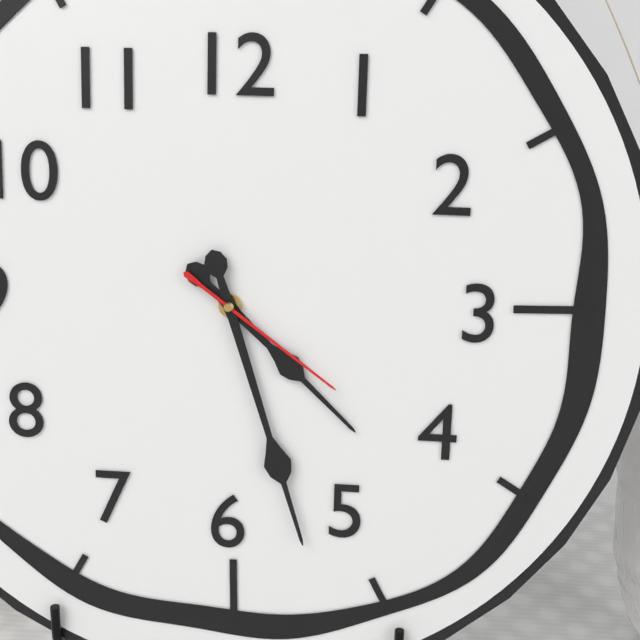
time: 4:27:21
